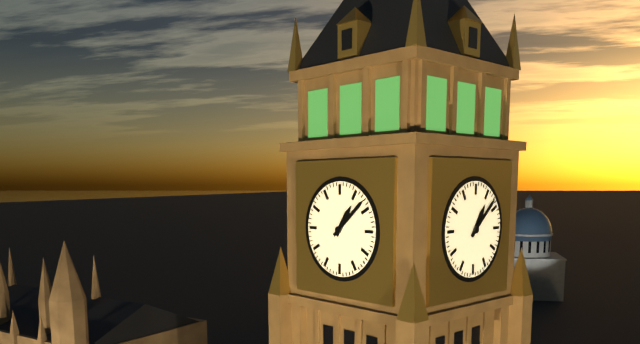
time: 1:08
